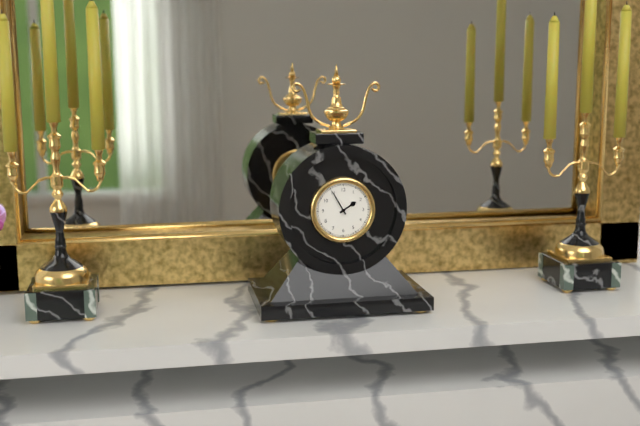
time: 1:55
